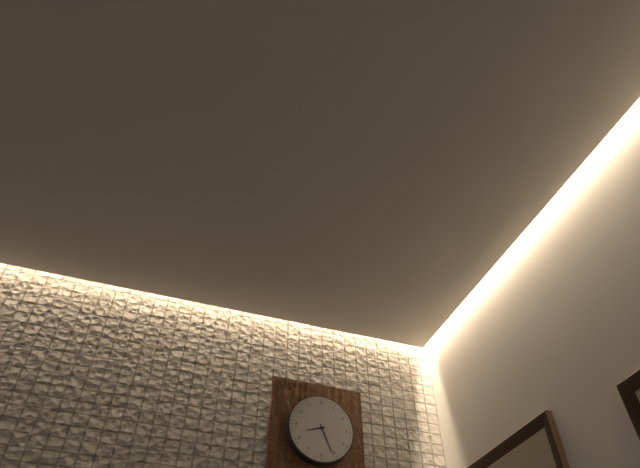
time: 8:26
